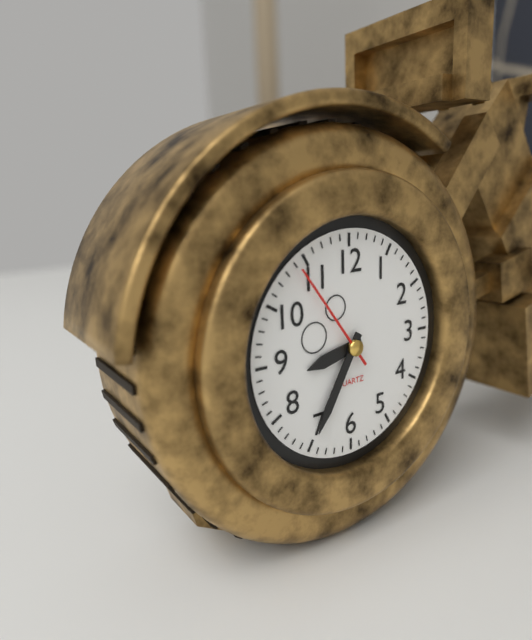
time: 8:35:54
